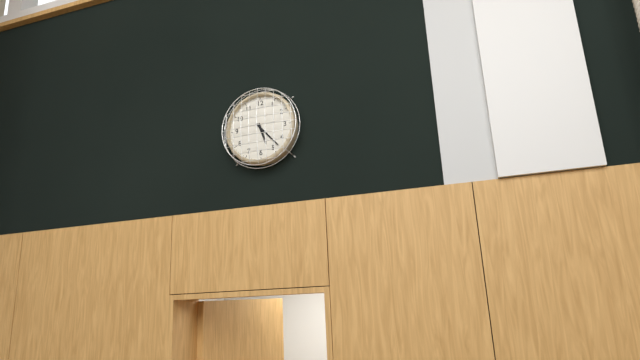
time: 5:23
